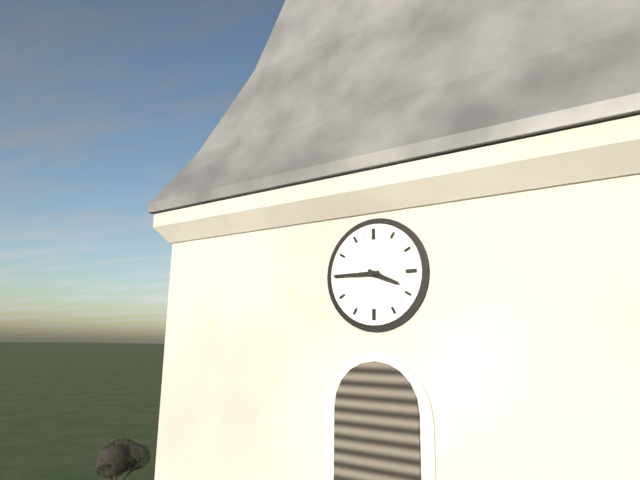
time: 3:45
